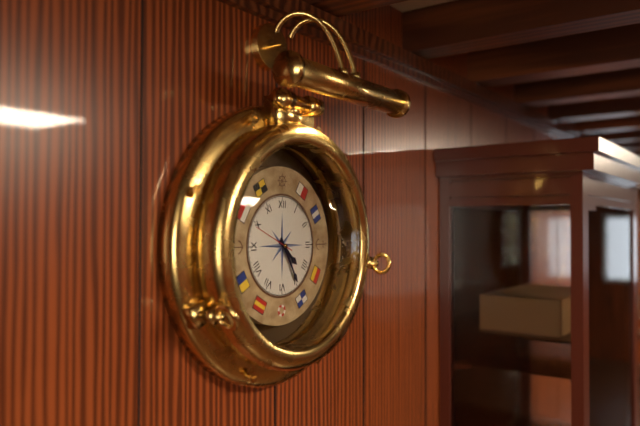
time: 4:25
